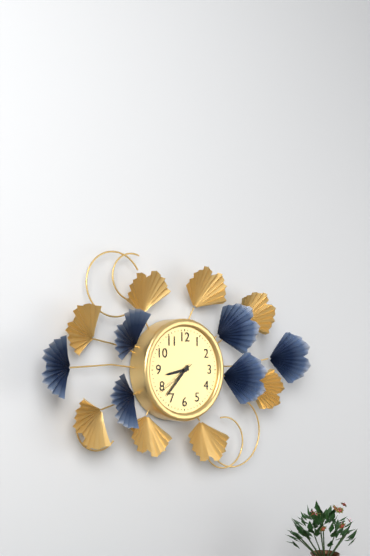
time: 8:37
